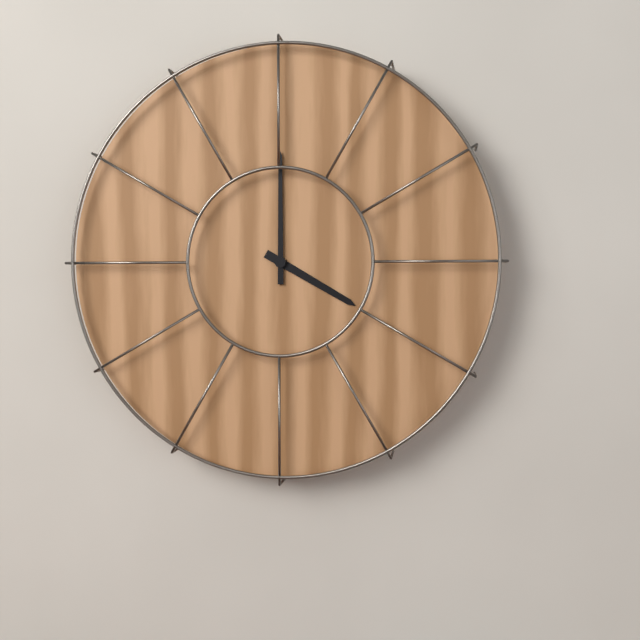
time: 4:00
